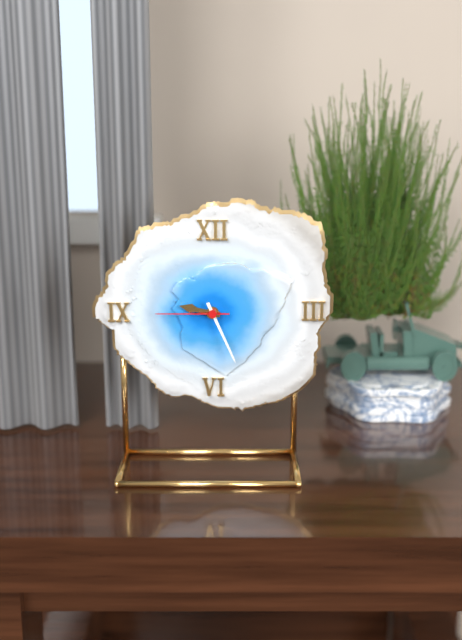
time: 9:26:45
